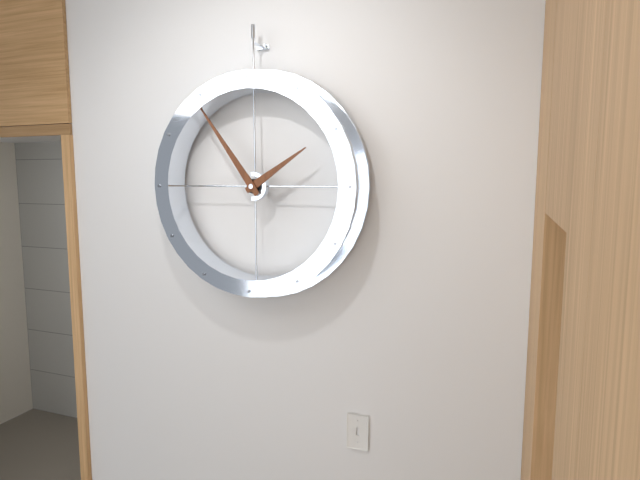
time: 1:54
